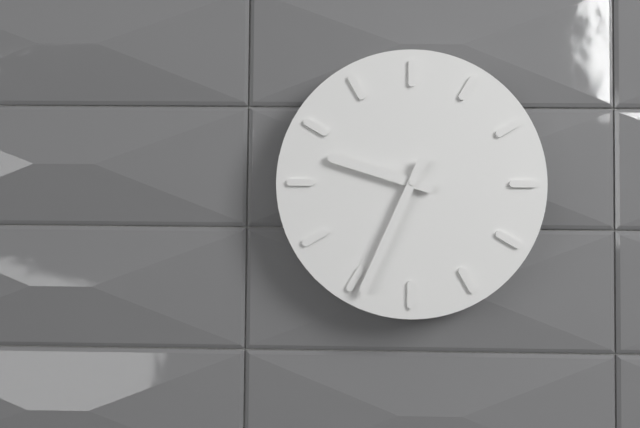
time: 9:34
